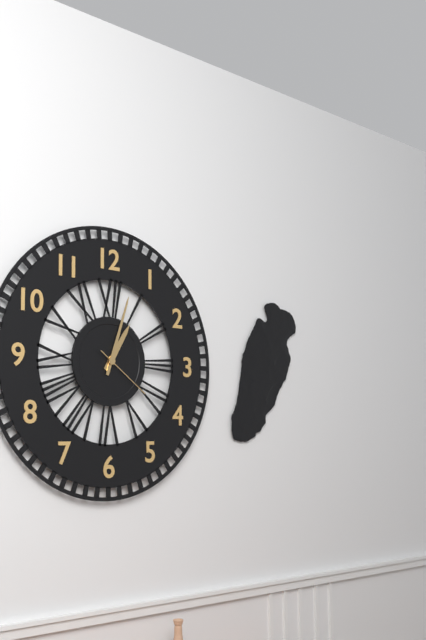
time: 1:03:21
